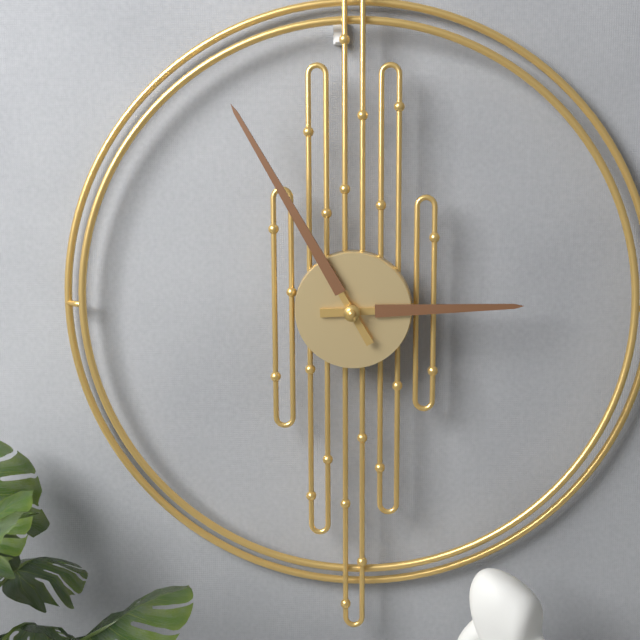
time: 2:55
